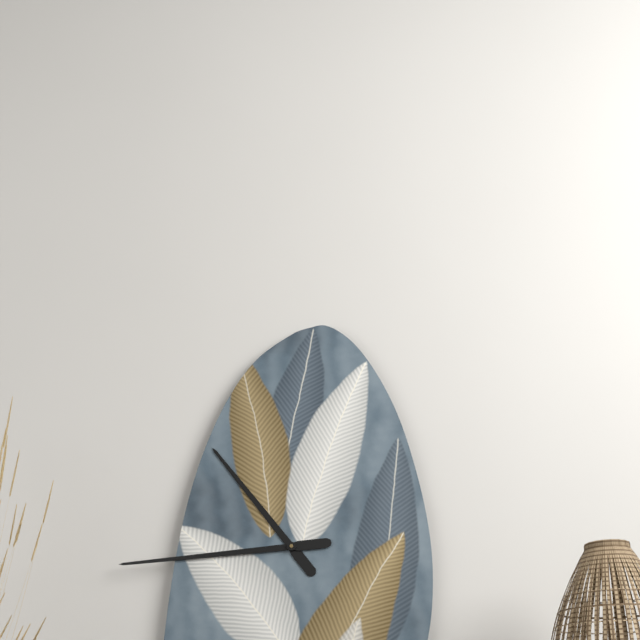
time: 10:44
